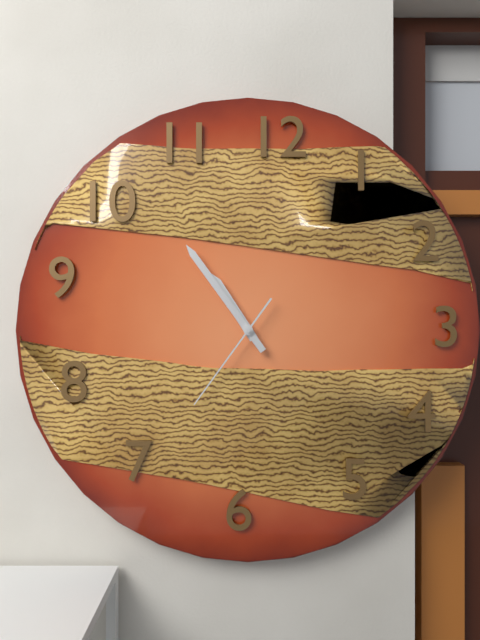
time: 10:54:36
